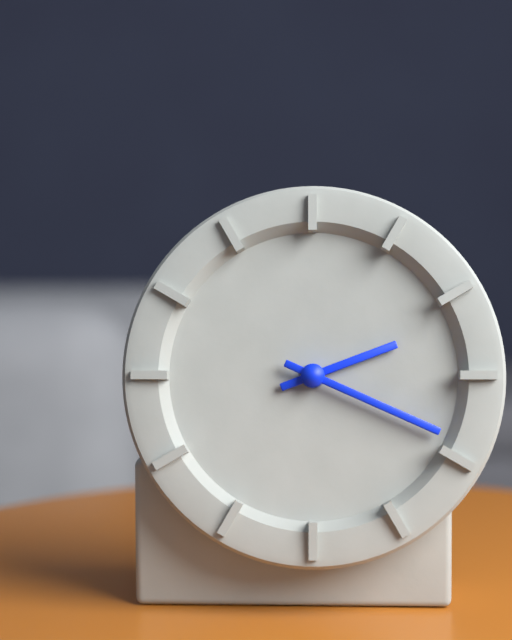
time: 2:19
